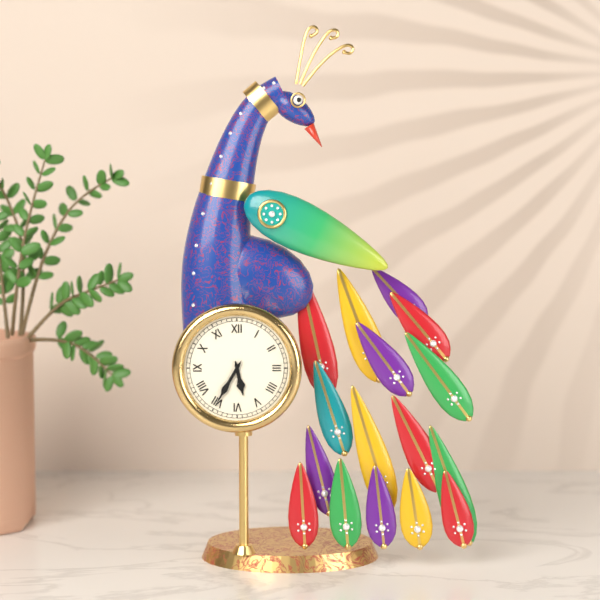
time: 5:35
